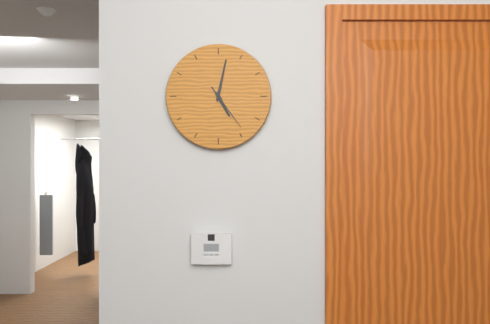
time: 5:02
